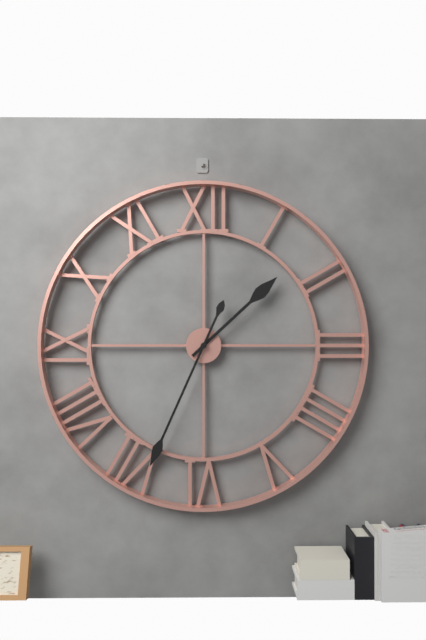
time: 1:34
